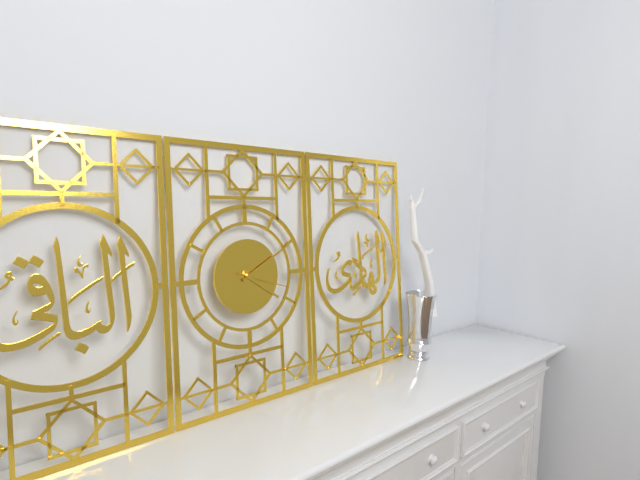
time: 4:10:18
